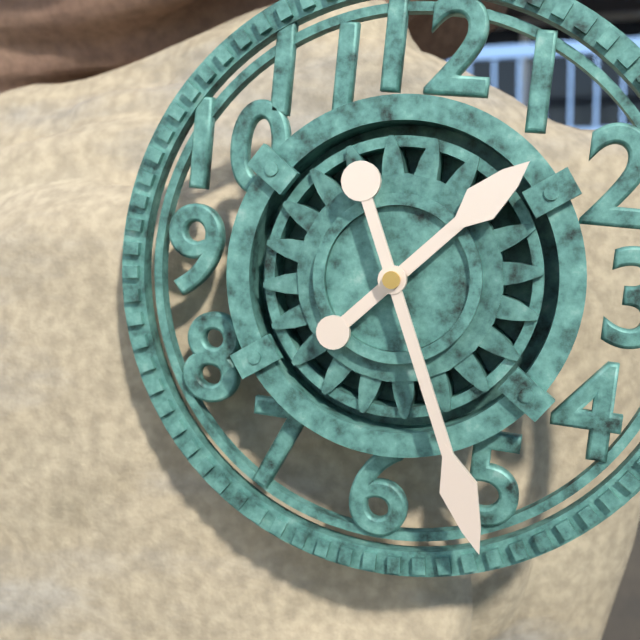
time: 1:26
